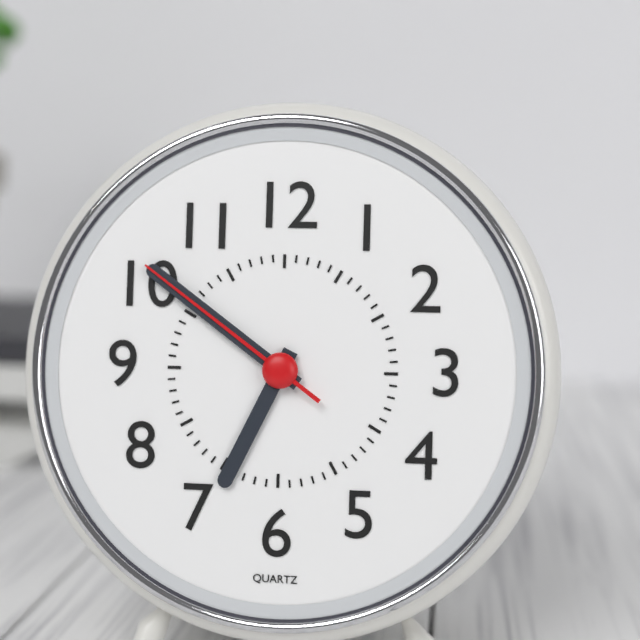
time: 6:51:51
